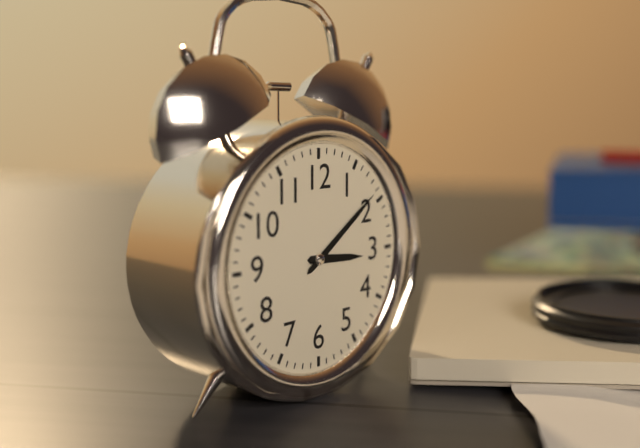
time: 3:09
